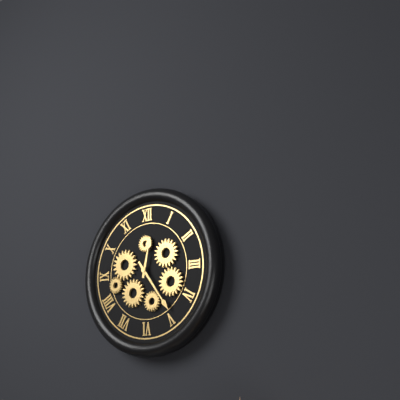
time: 12:24
